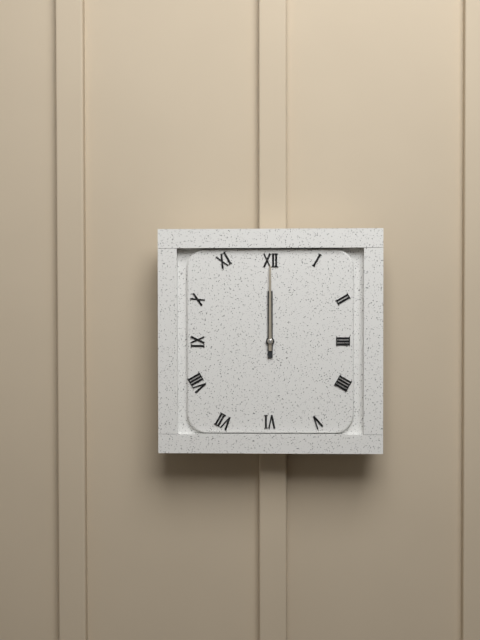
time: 12:00
